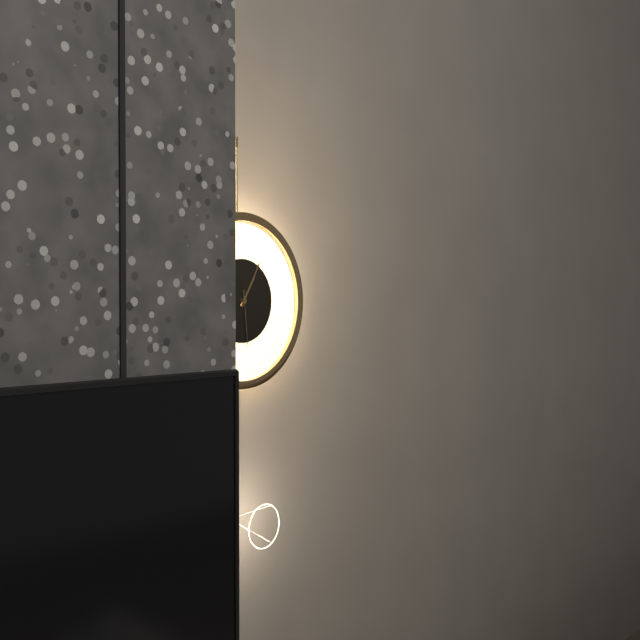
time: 1:05:29
